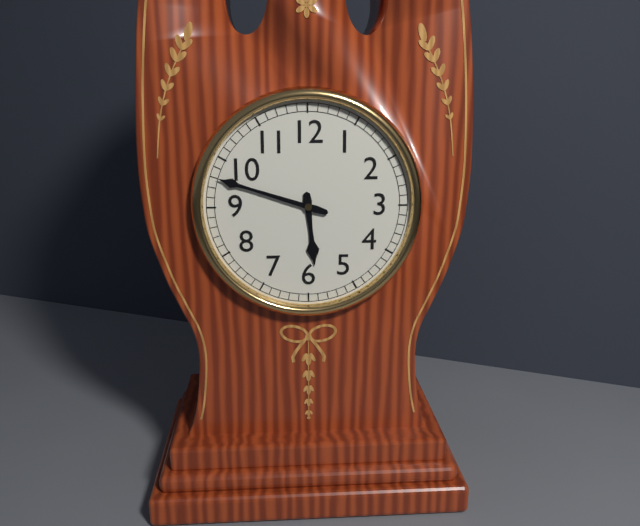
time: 5:48
